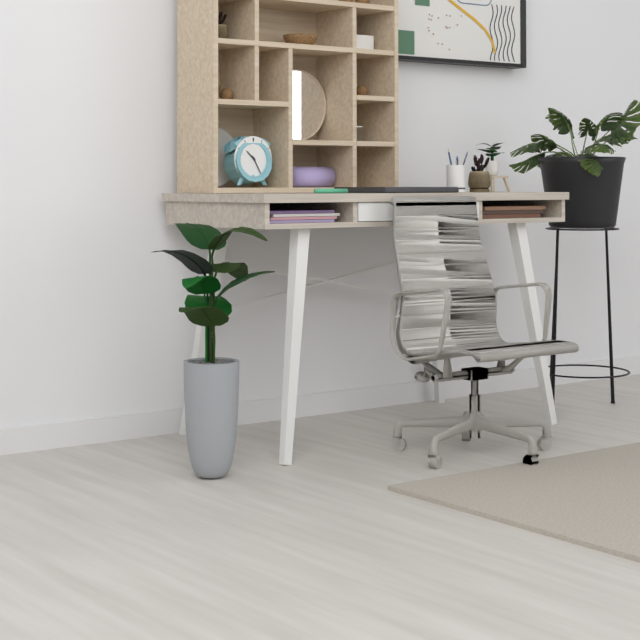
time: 10:25
